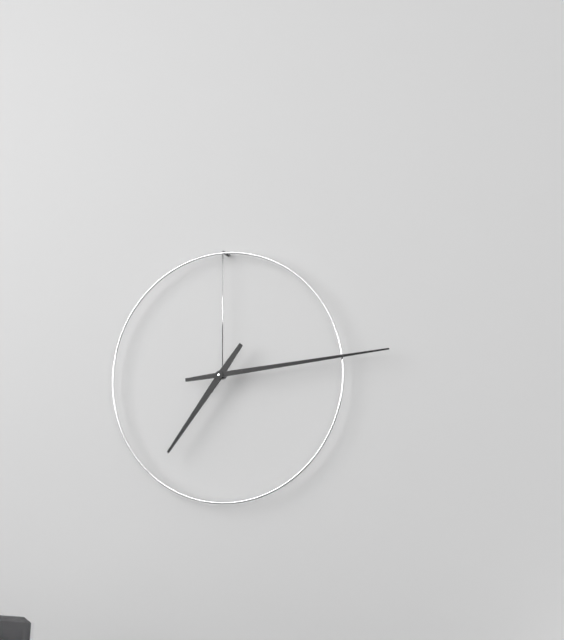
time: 7:14
